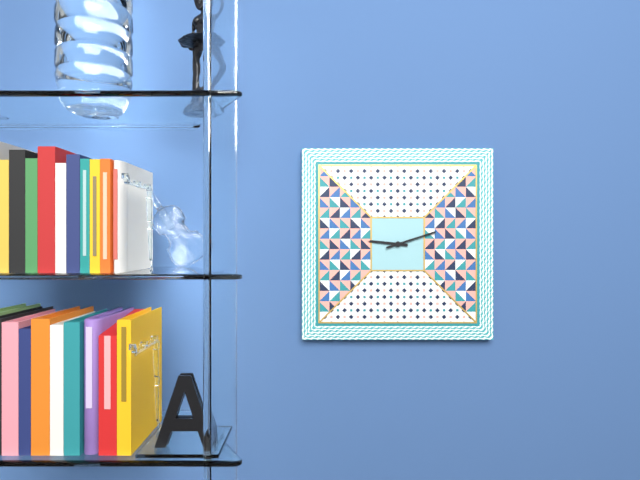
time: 9:12
